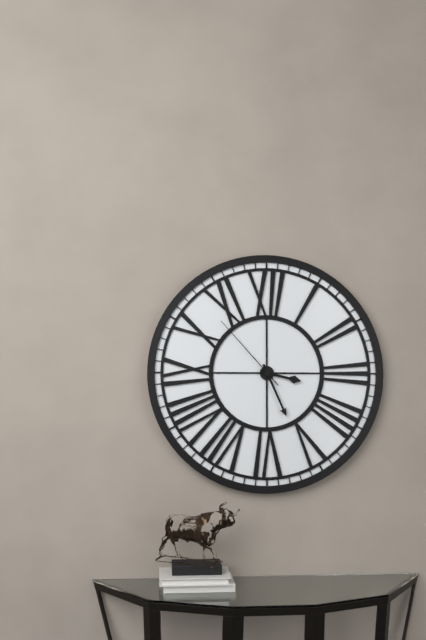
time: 3:26:53
